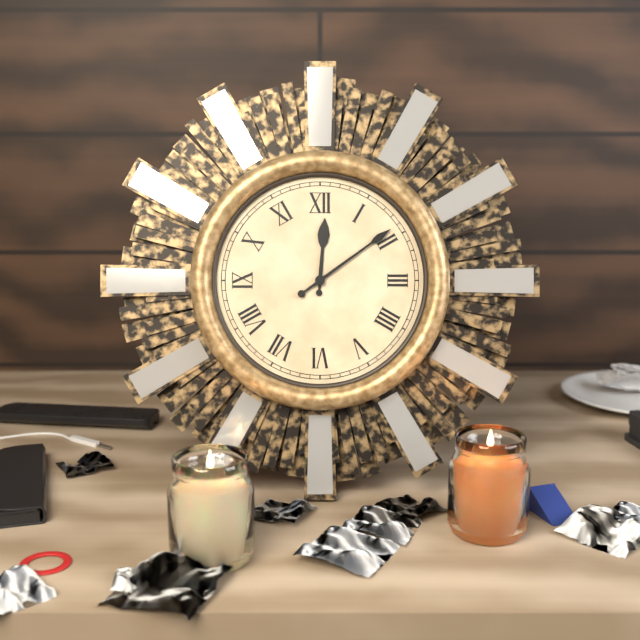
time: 12:09
